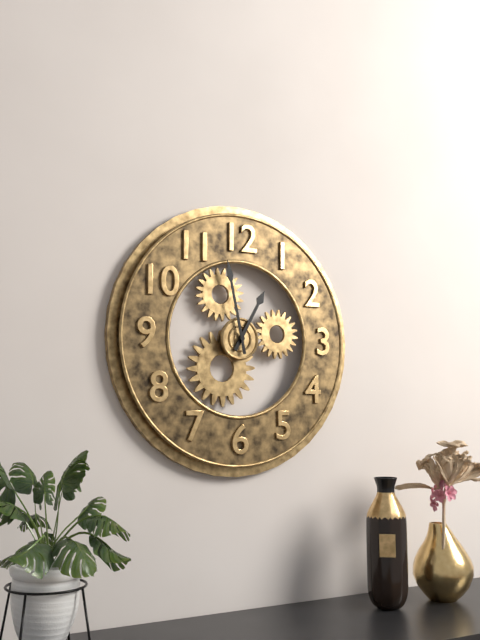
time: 12:58
